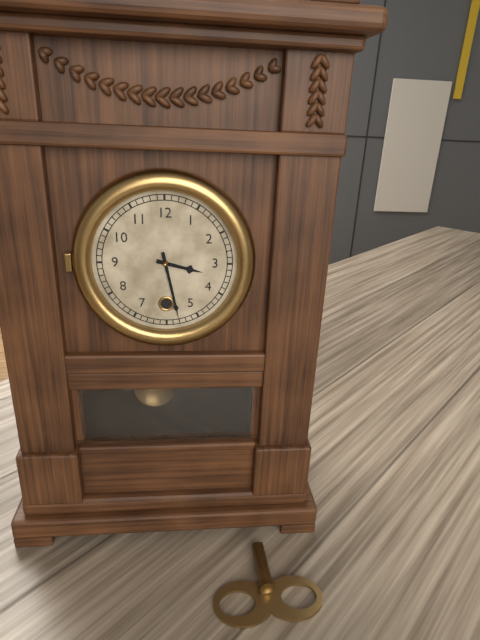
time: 3:28
